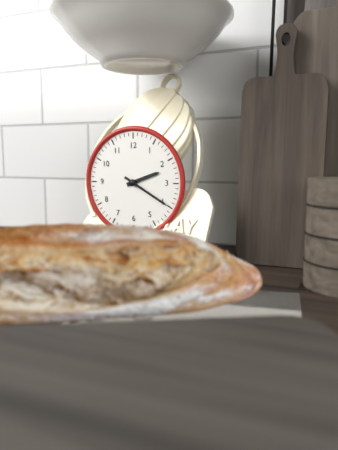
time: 2:20
